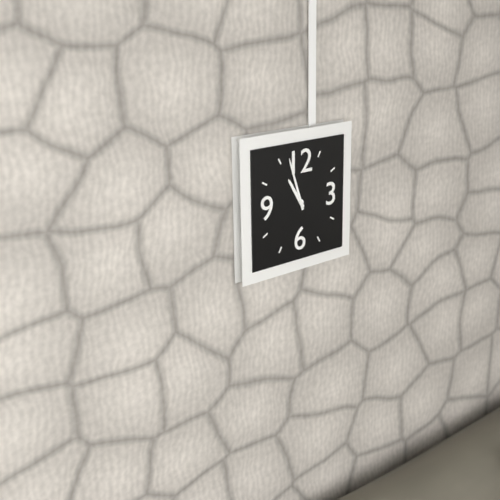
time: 10:57
